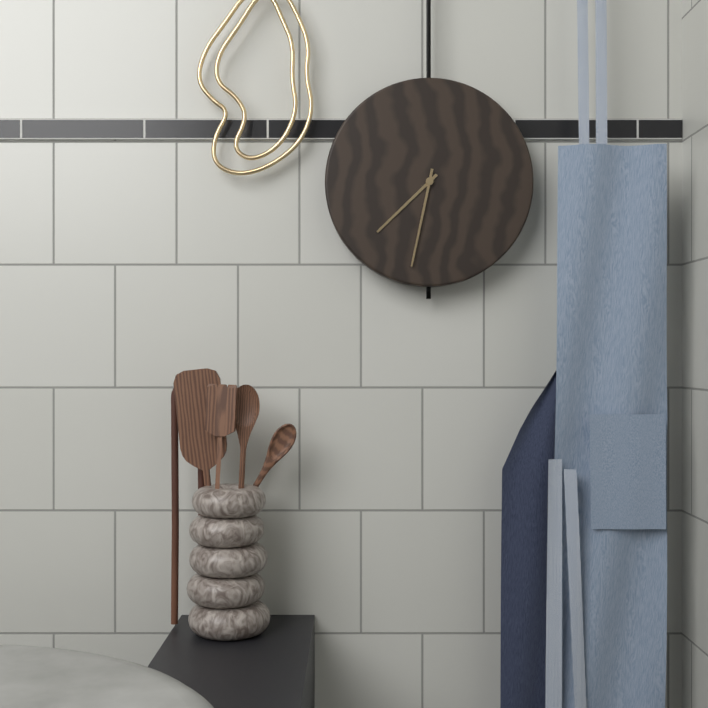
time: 7:32
